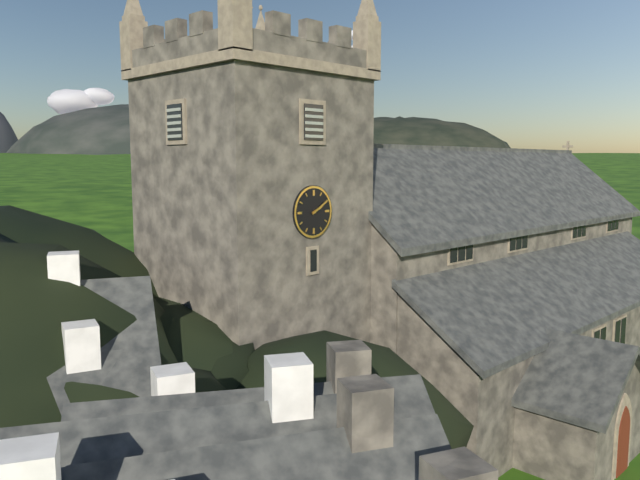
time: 2:10
